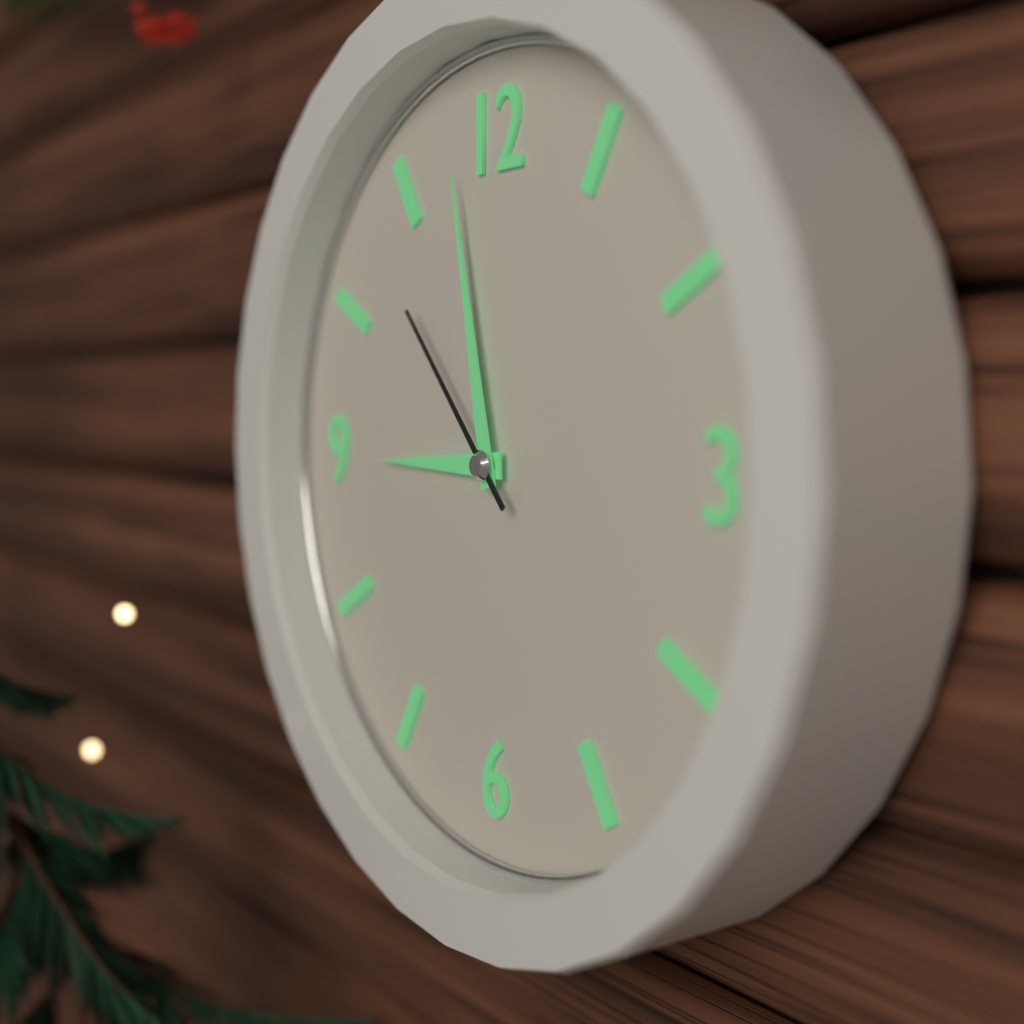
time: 8:58:53
